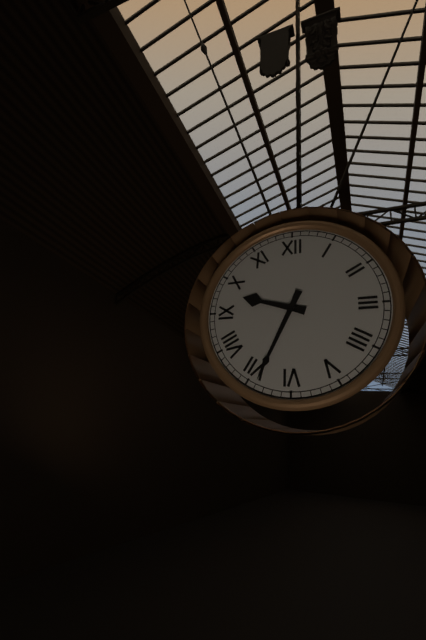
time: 9:34
